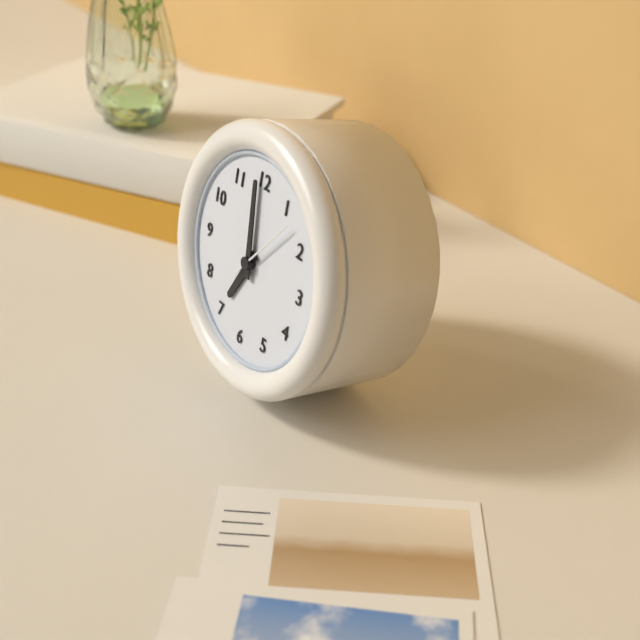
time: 6:59:07
